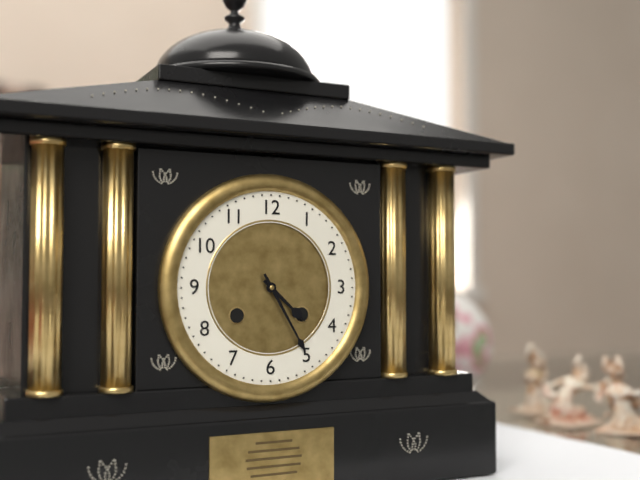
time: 4:25
